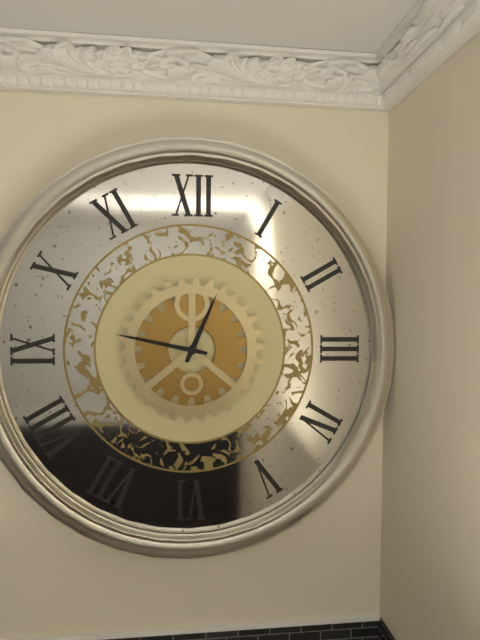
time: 12:47
